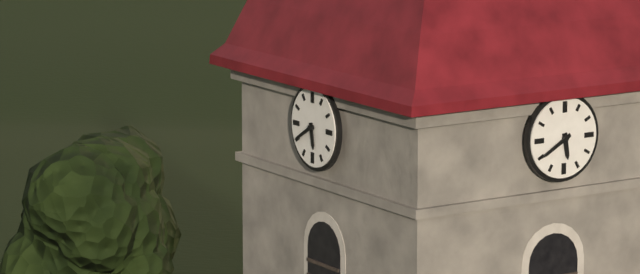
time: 5:40
